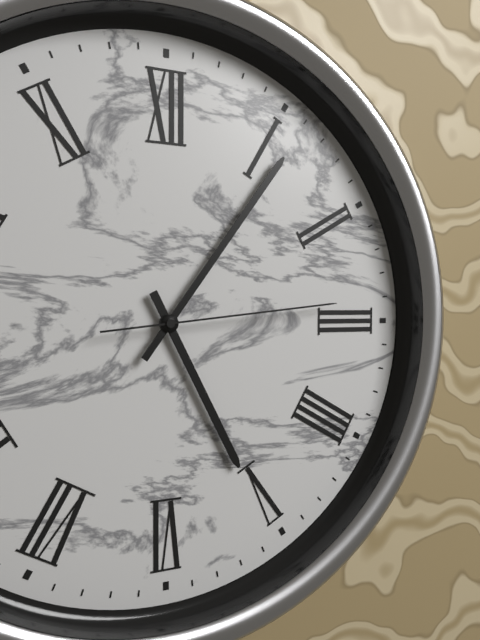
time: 5:06:14
